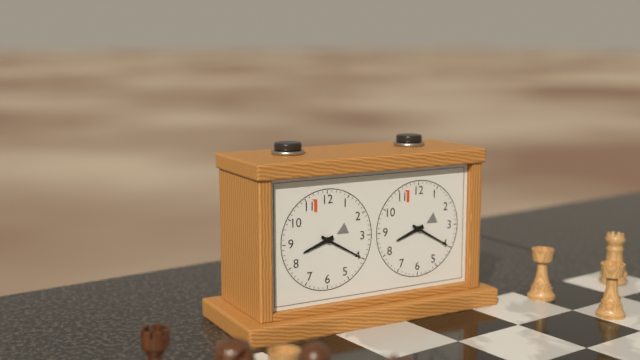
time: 8:20
